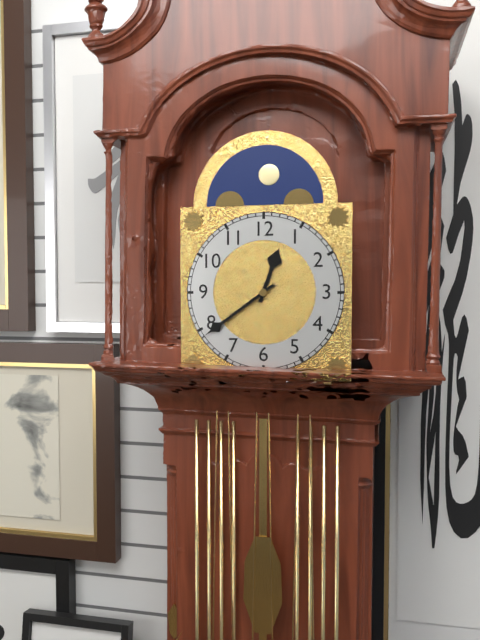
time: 12:39
